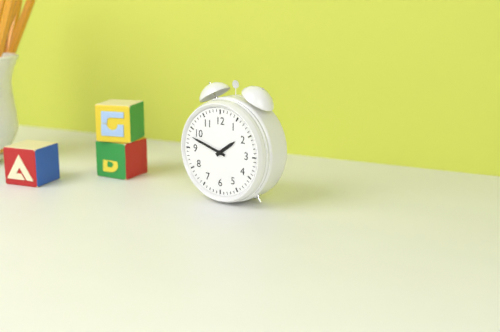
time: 1:48
